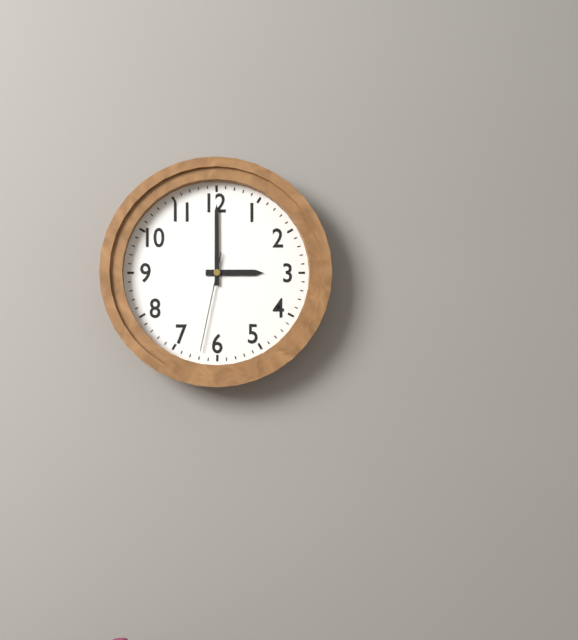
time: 3:00:32
